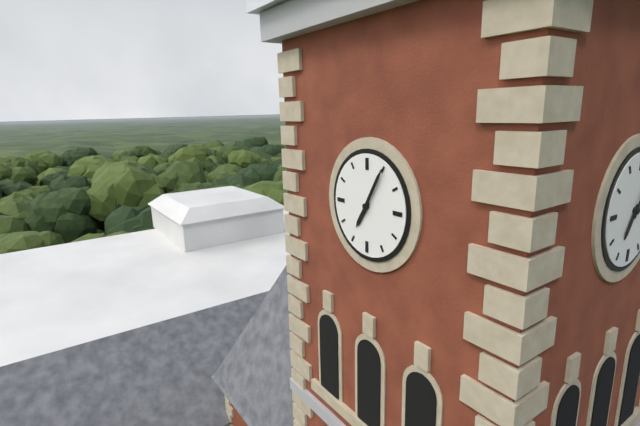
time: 7:05
